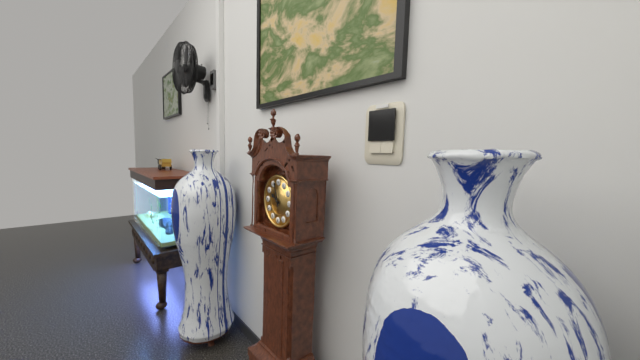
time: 9:57
